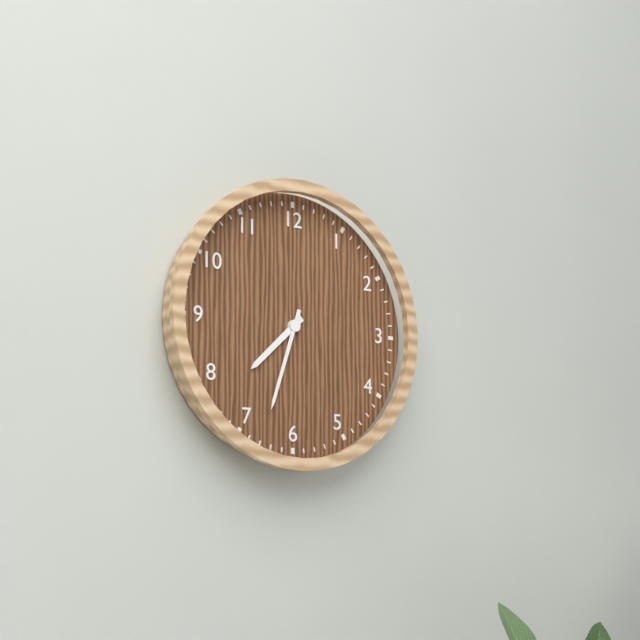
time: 7:33
